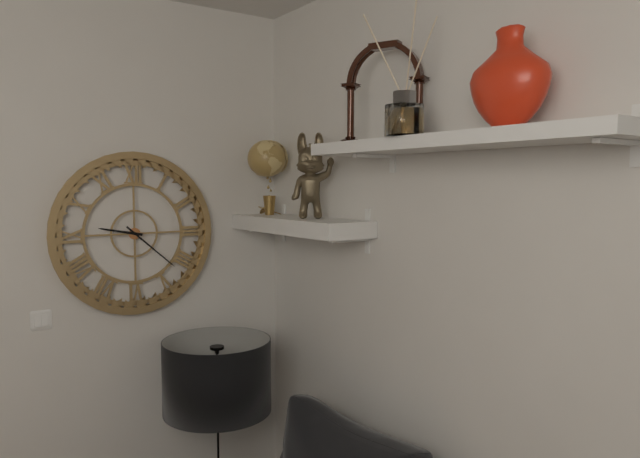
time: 9:22
